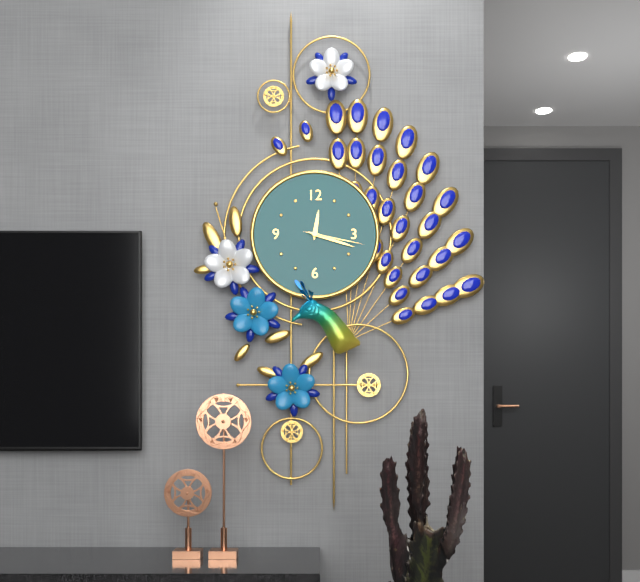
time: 12:18:17
